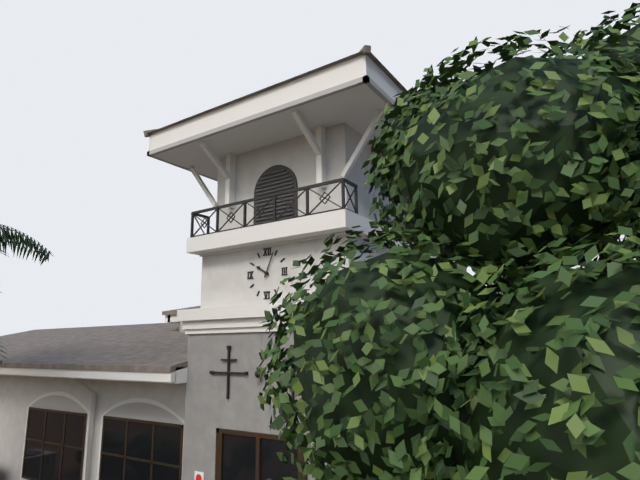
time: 10:04
